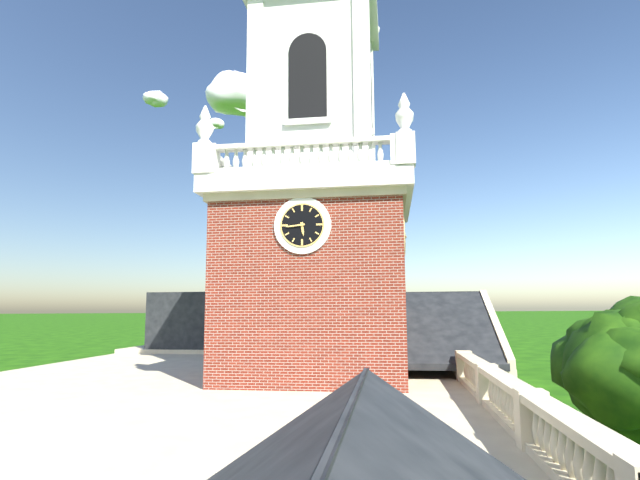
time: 5:44
